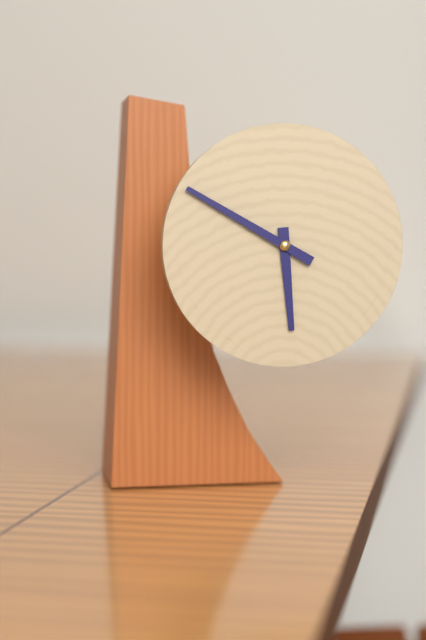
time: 5:50
